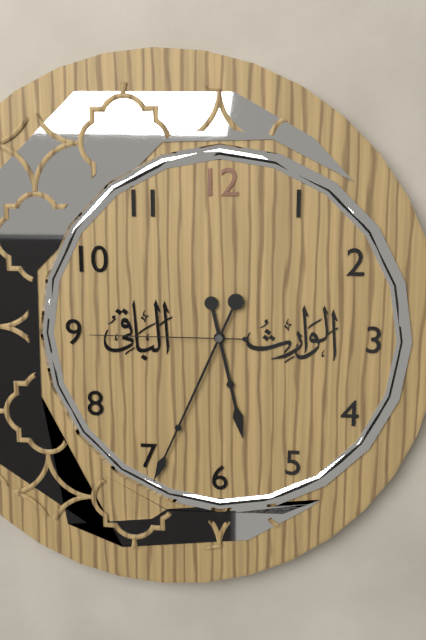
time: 5:34:45
